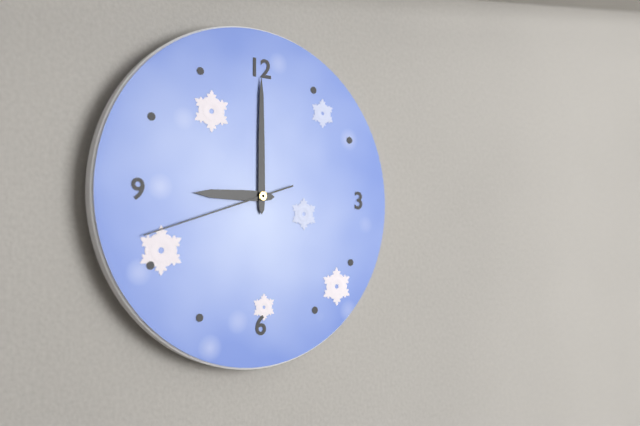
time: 9:00:42
